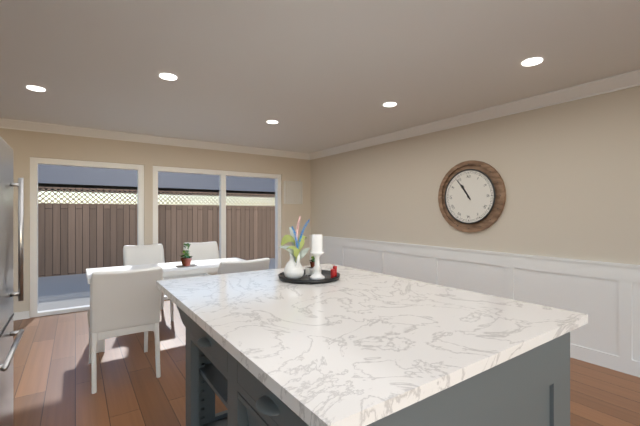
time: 10:54
